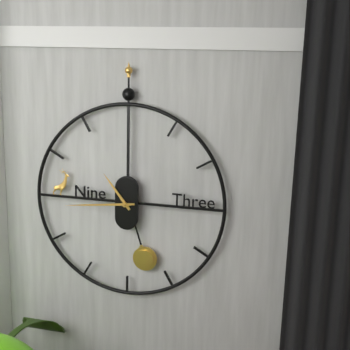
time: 10:44
